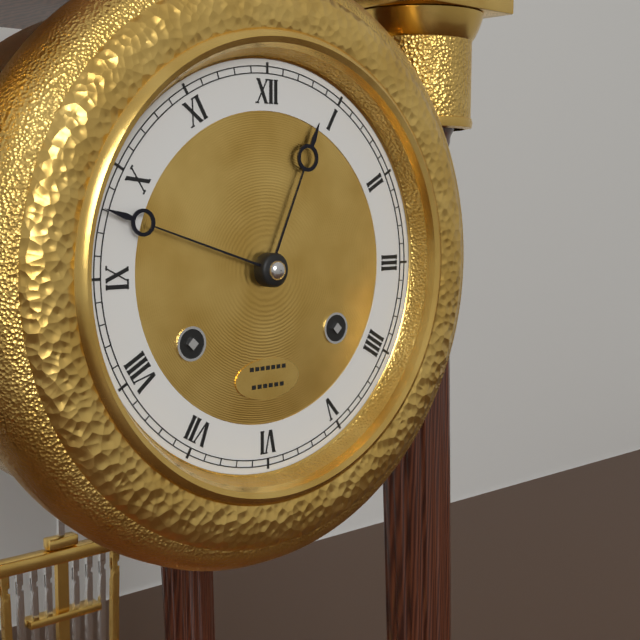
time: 12:48
